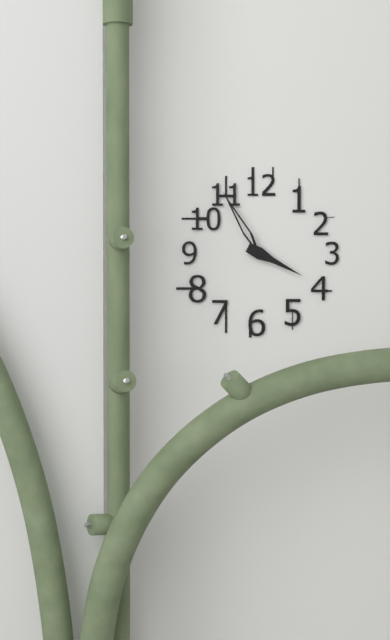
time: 3:55
